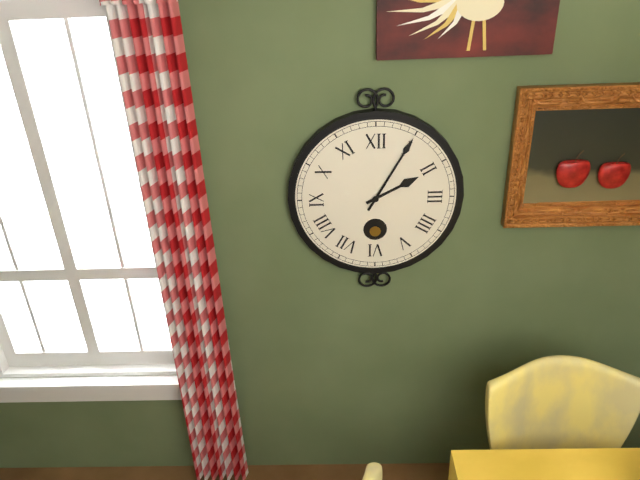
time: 2:05
